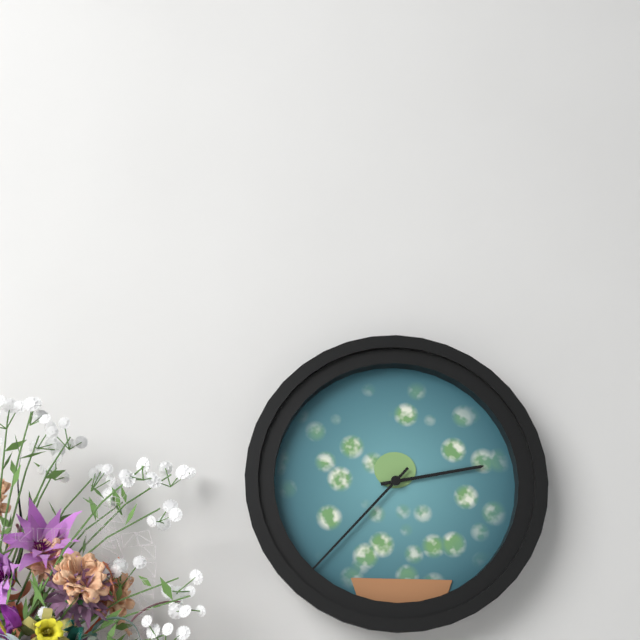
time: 2:37
